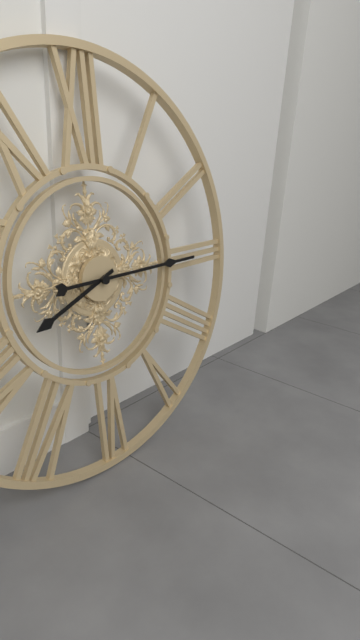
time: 8:15
